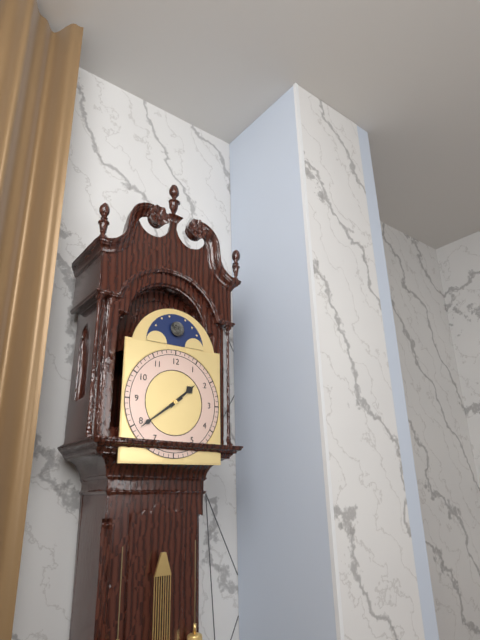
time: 1:39
